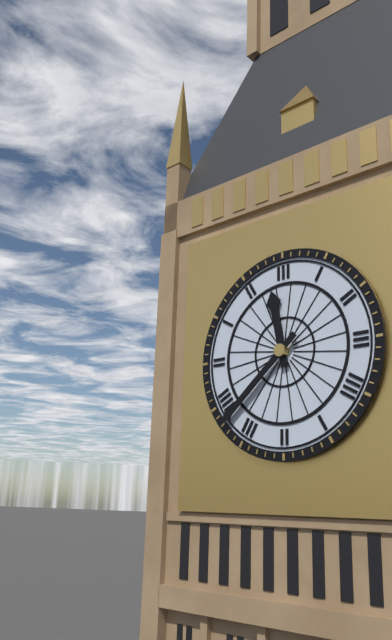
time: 11:38
